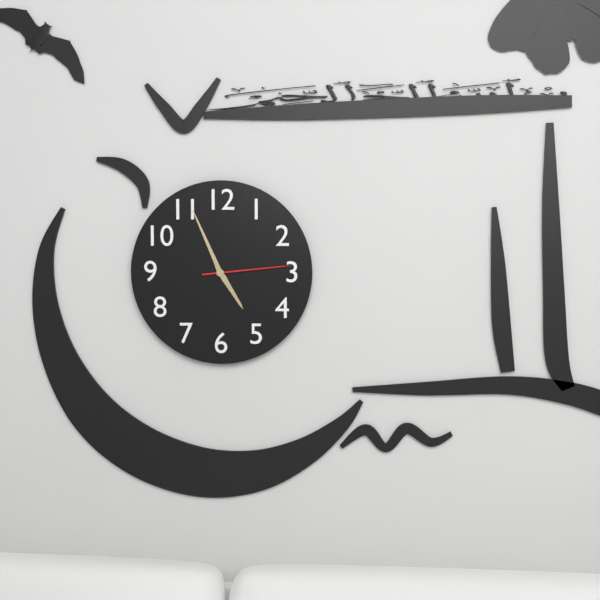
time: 4:56:14
